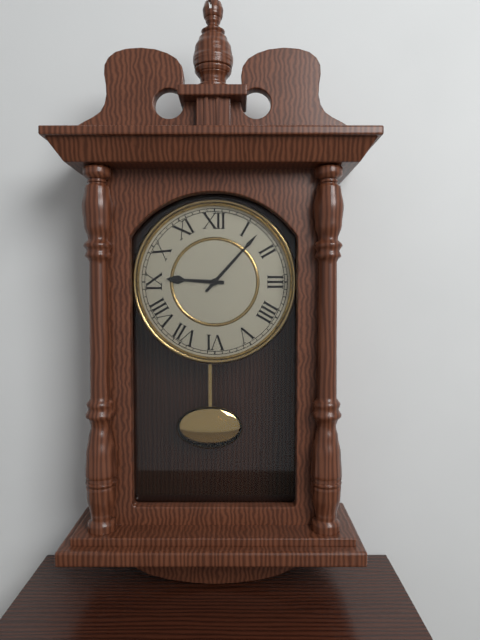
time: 9:07
